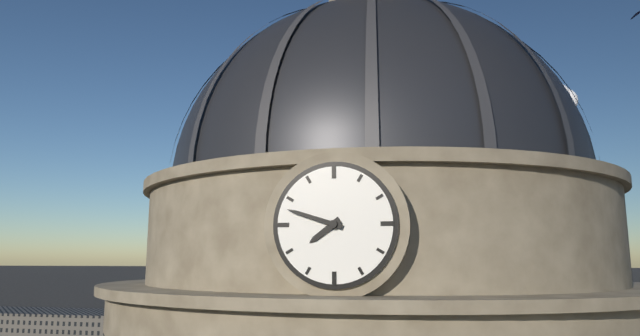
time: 7:48
